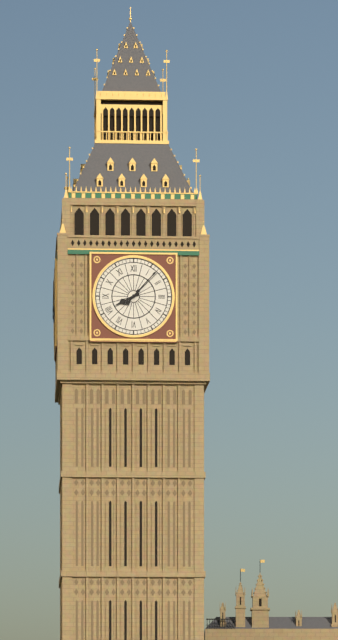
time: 8:07
